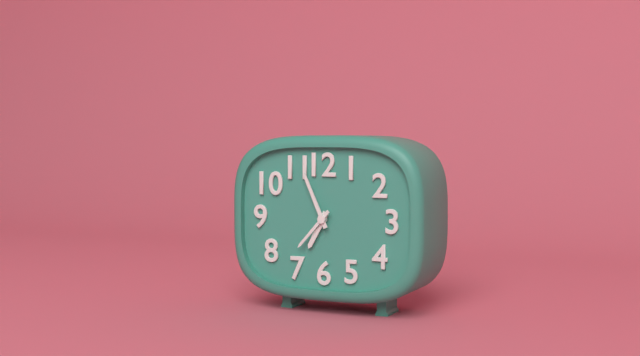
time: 6:56:37
